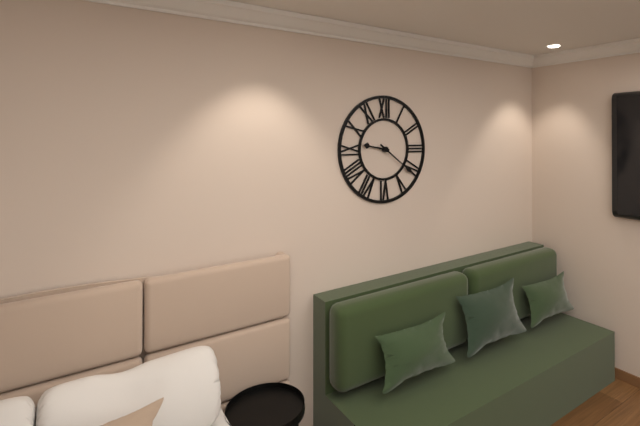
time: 9:21
